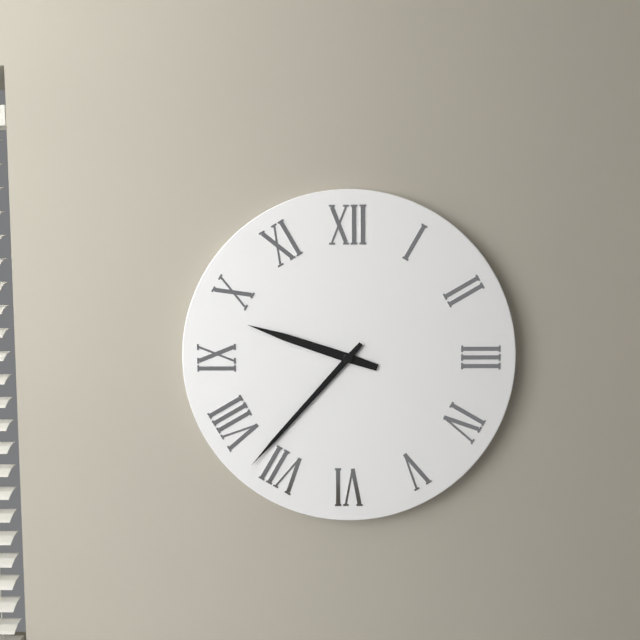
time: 9:37
